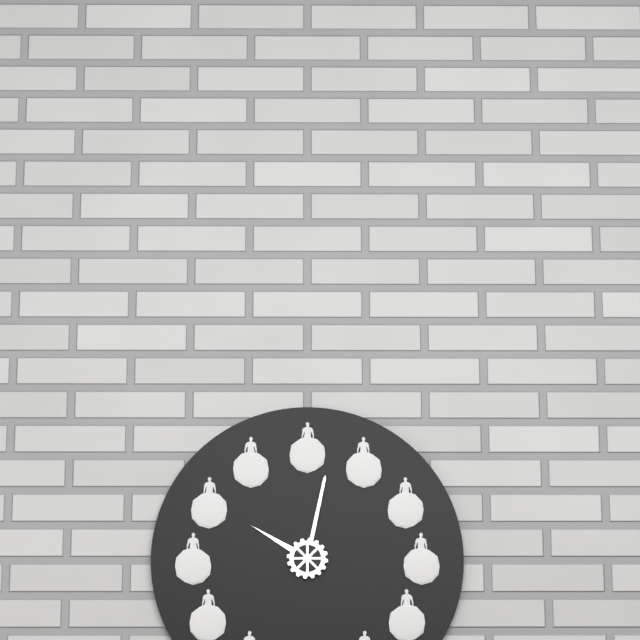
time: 10:02
